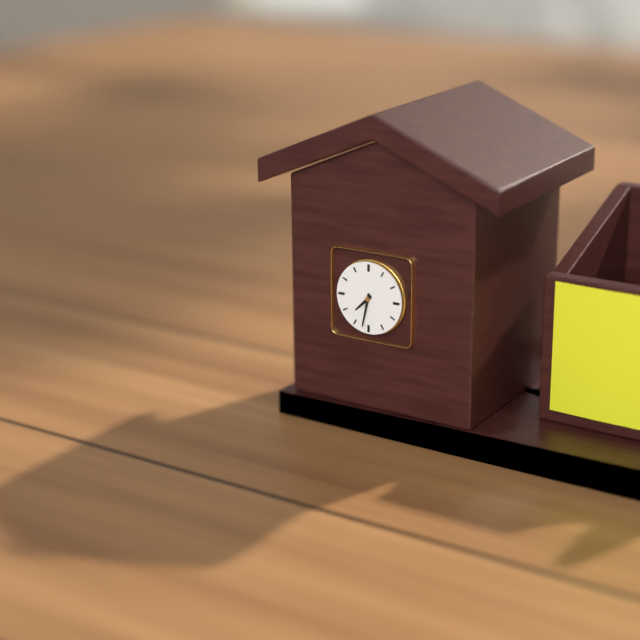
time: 7:32
